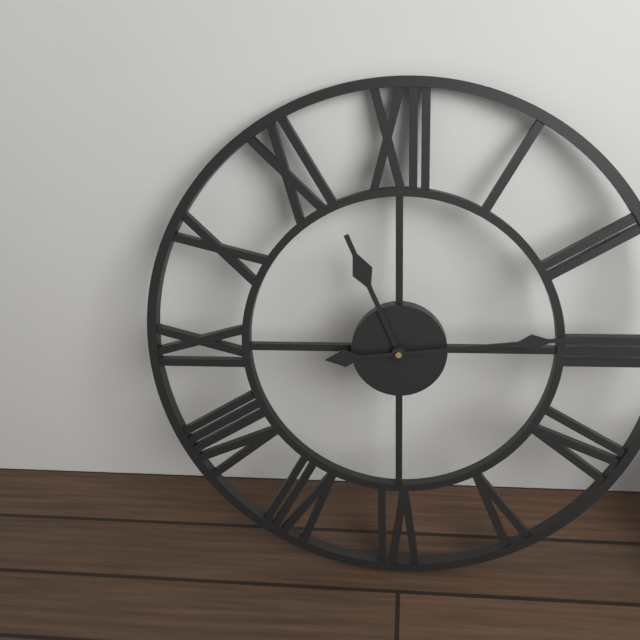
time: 11:14
